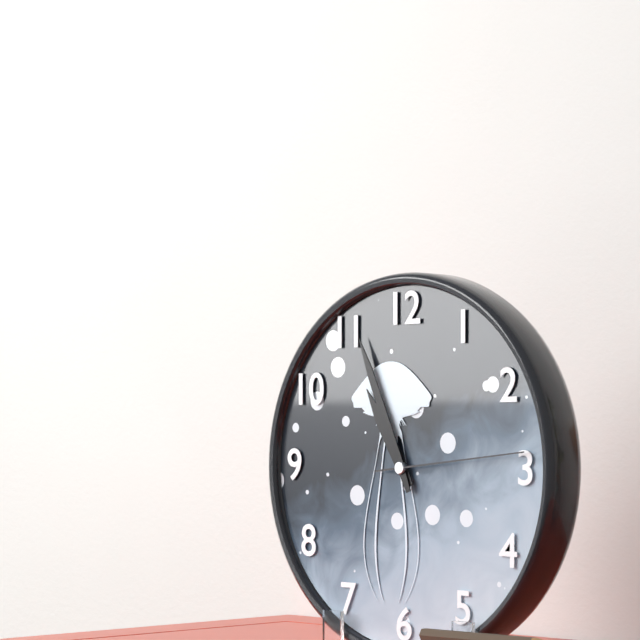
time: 10:56:14
